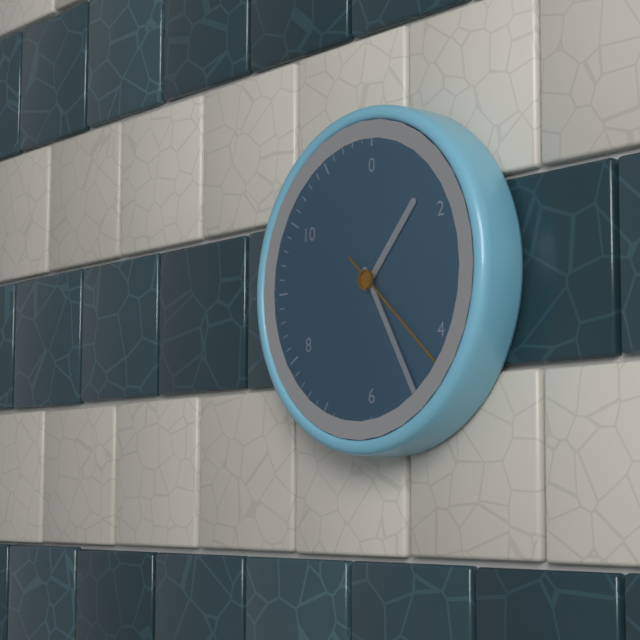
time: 1:25:22
